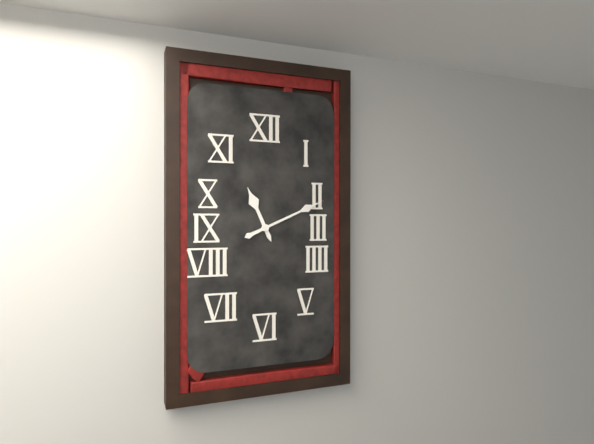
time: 11:11
